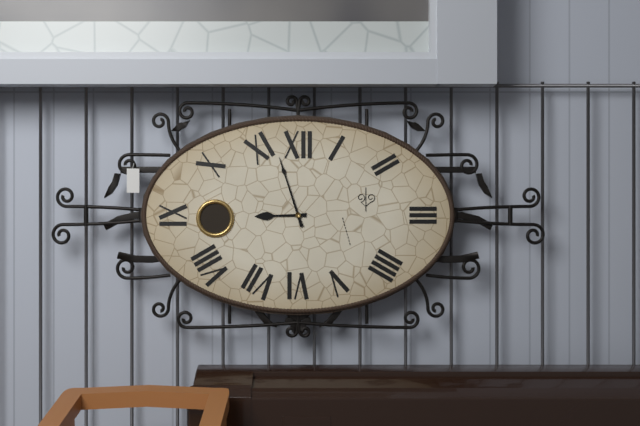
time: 8:57
